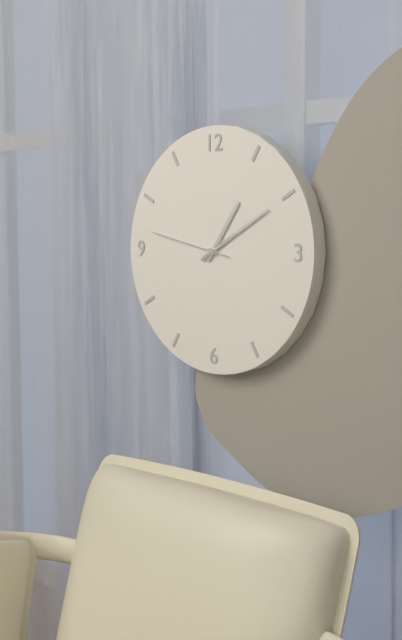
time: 1:10:47
